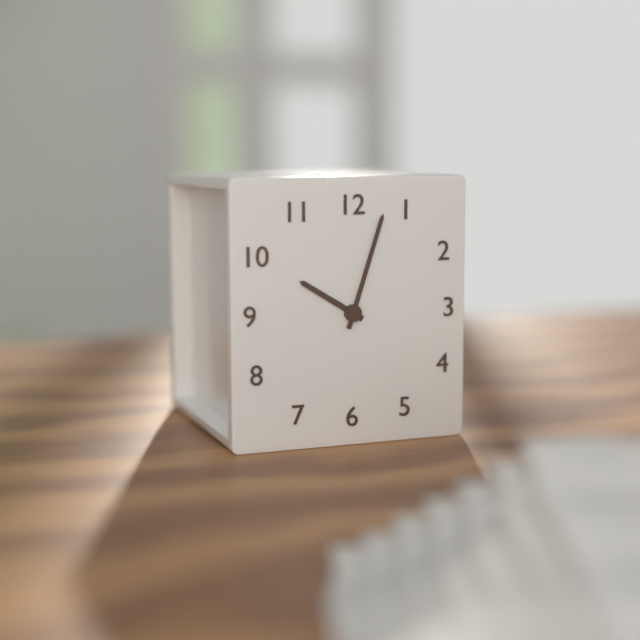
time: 10:03
